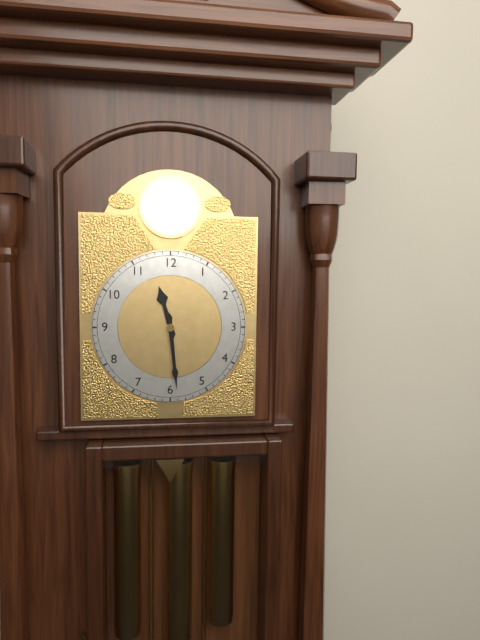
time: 11:29
